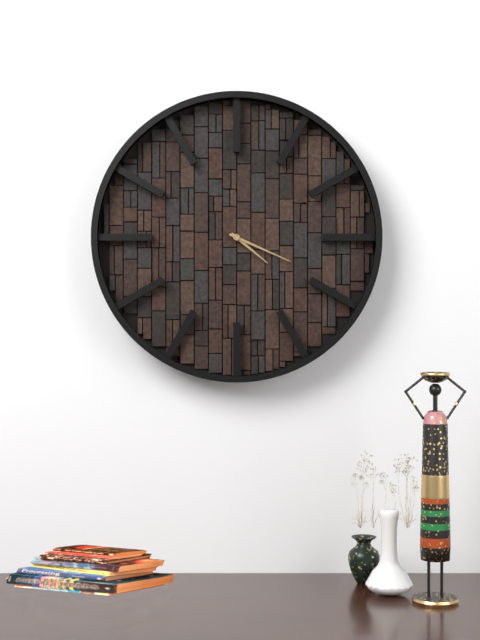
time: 4:19
